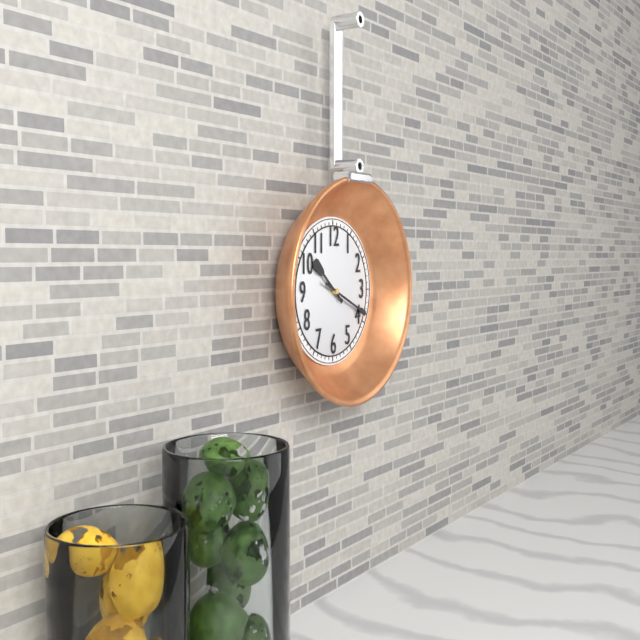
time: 10:19
